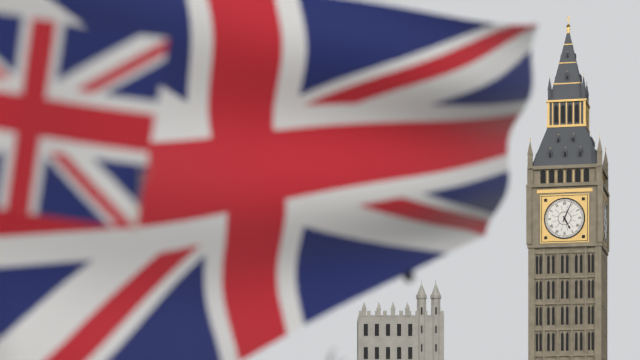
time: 5:04
